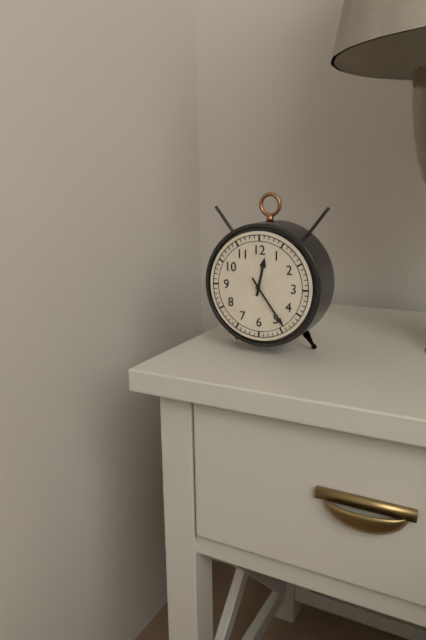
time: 12:24
